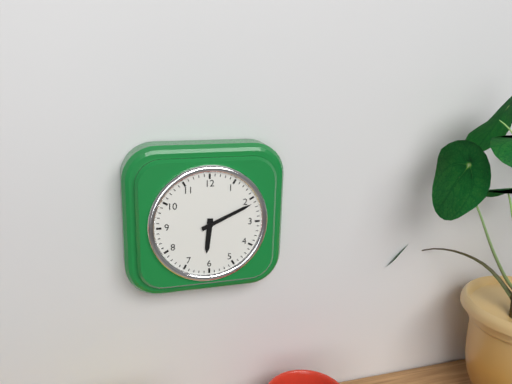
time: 6:11
